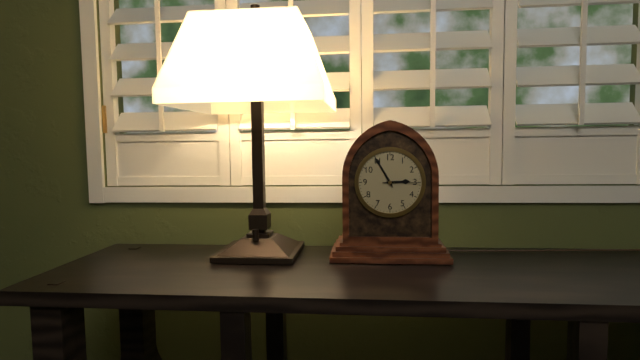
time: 2:55
